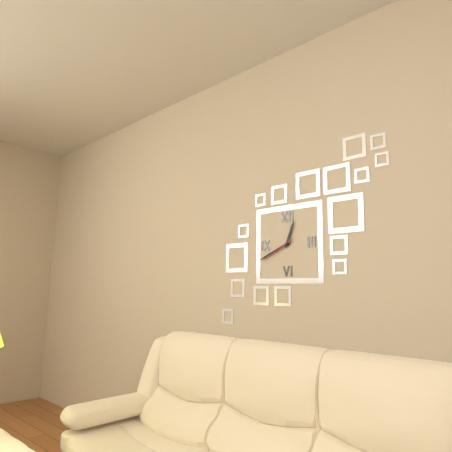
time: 12:41
